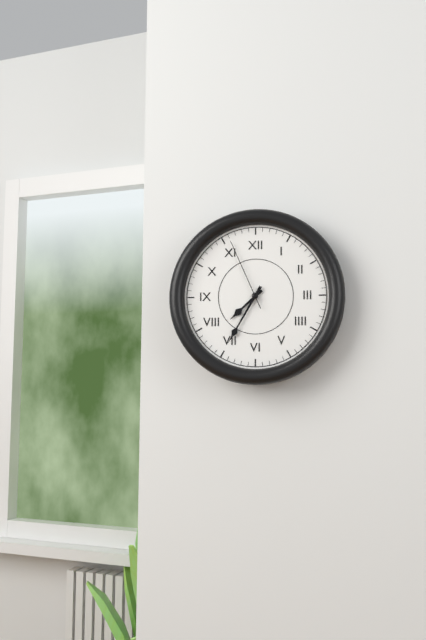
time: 7:35:56
